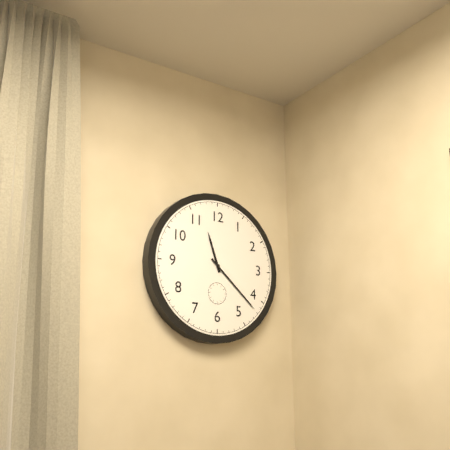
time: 11:22
